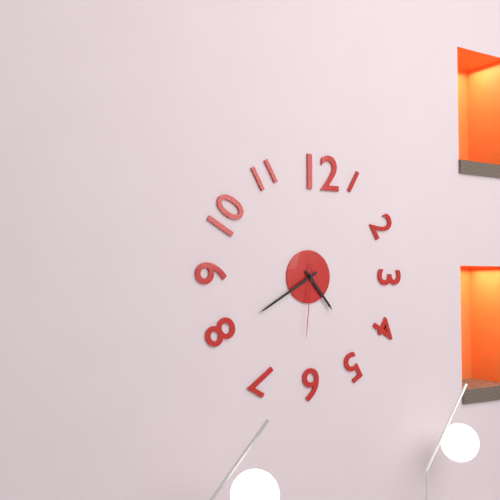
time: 4:40:31
